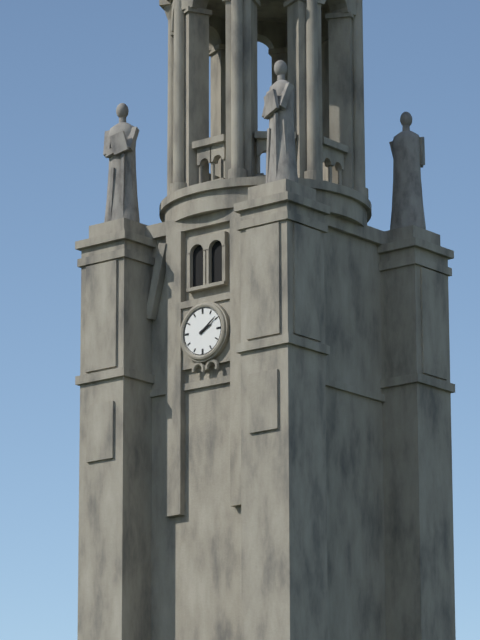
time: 2:09
